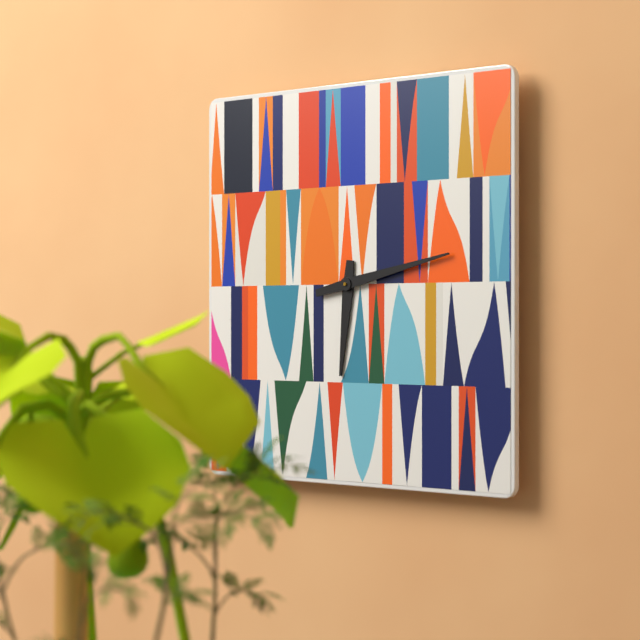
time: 6:13
